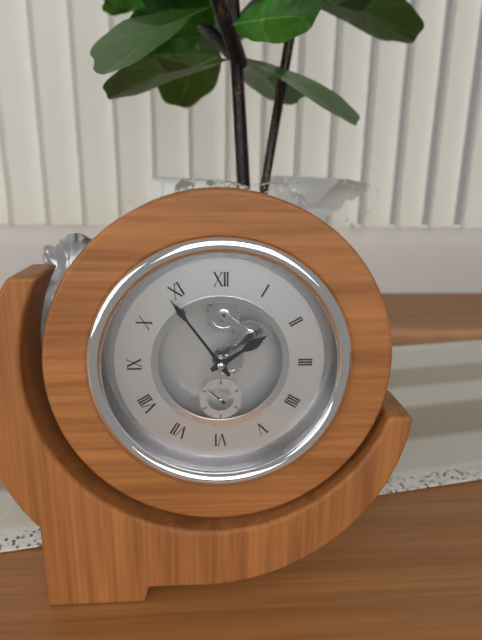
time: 1:54
